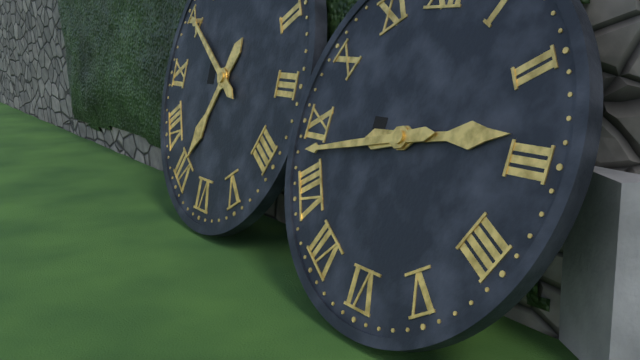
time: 2:43
